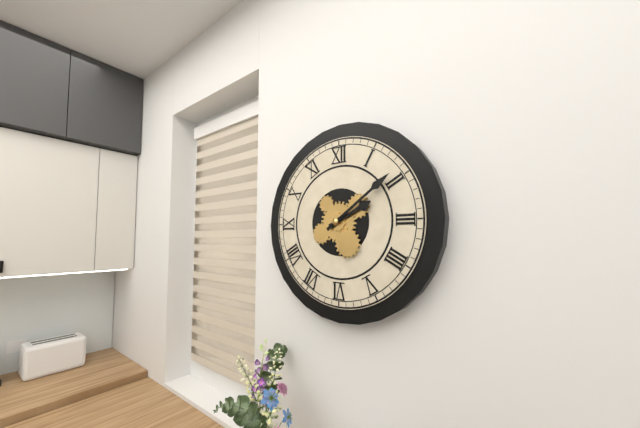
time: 2:09
